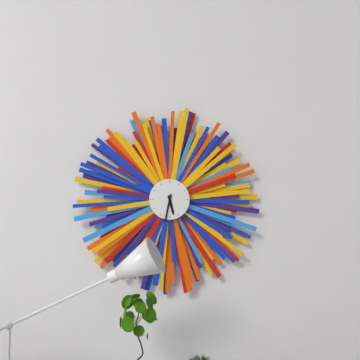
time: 5:32
